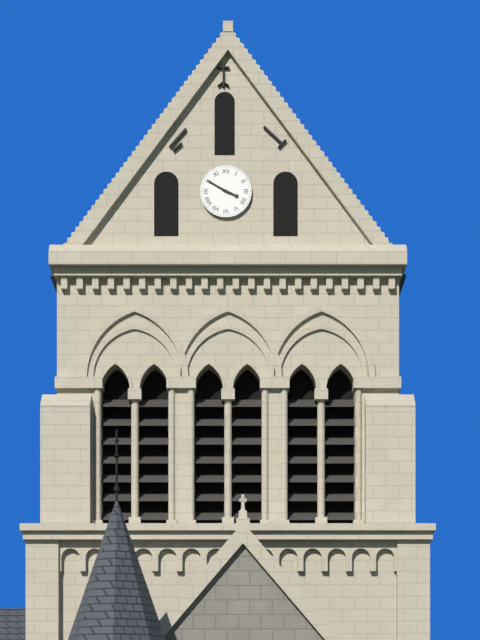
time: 3:50
